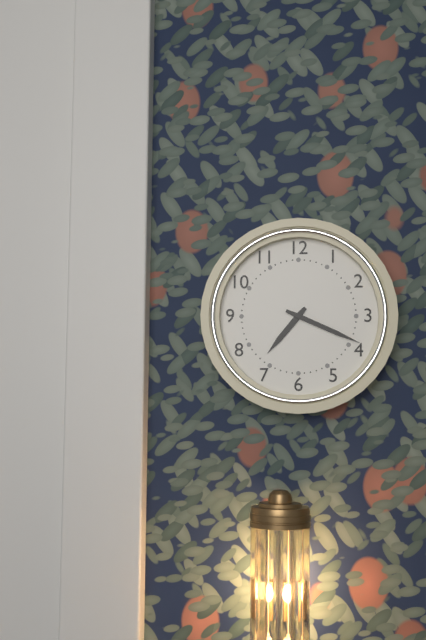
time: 7:19
